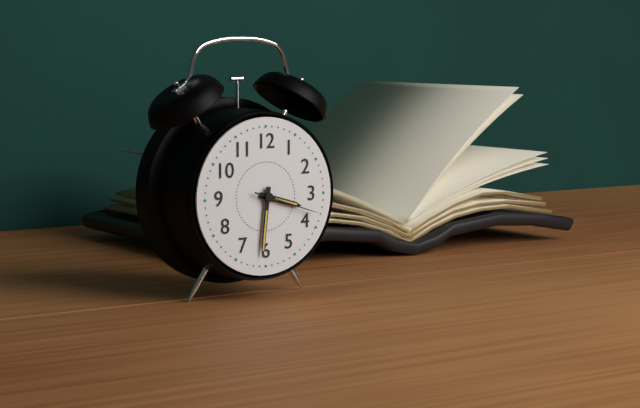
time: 3:31:18
